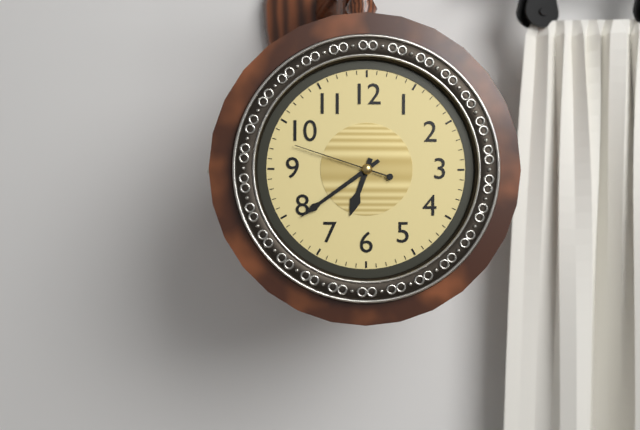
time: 6:39:48
